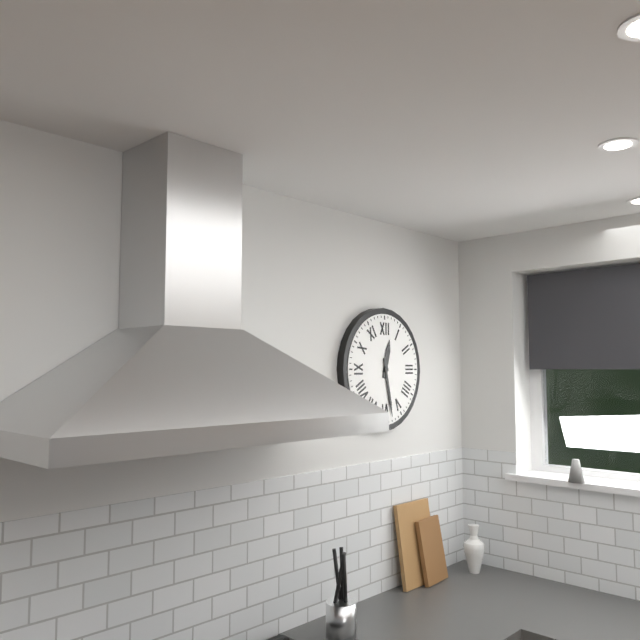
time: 12:28
